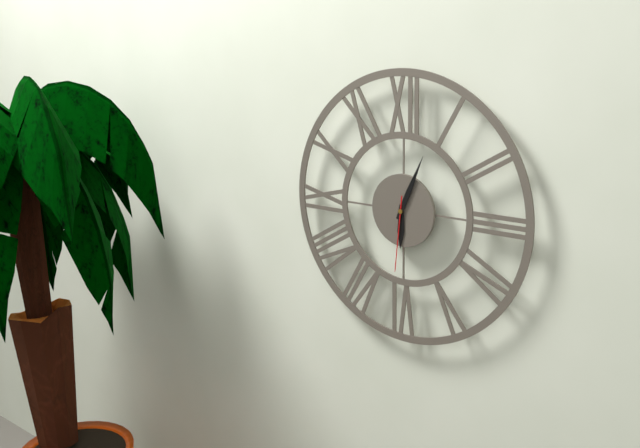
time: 6:04:31
